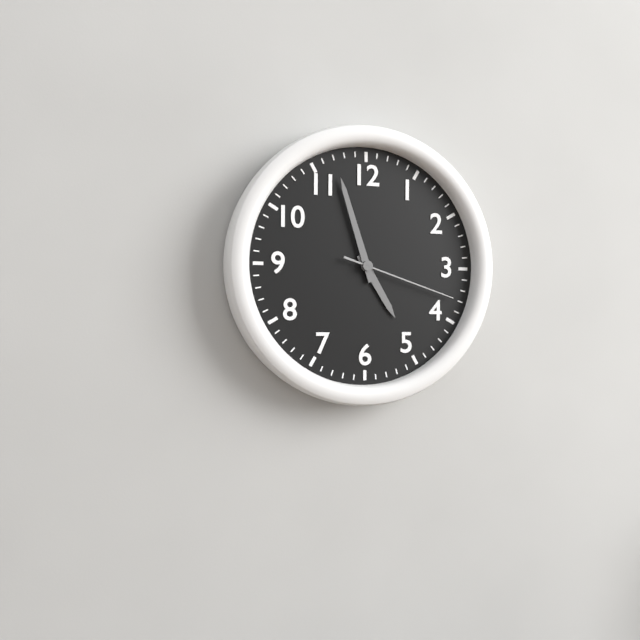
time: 4:57:18
